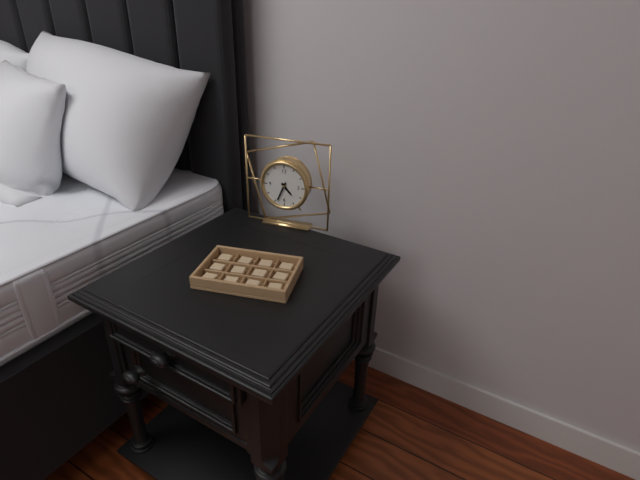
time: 4:34
